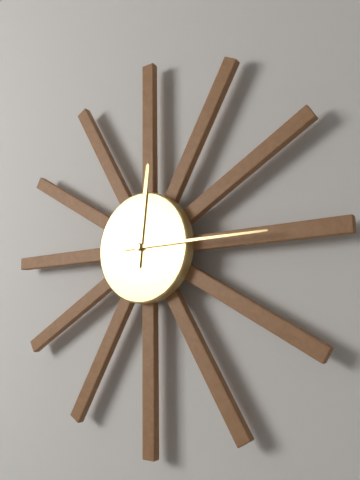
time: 12:15
